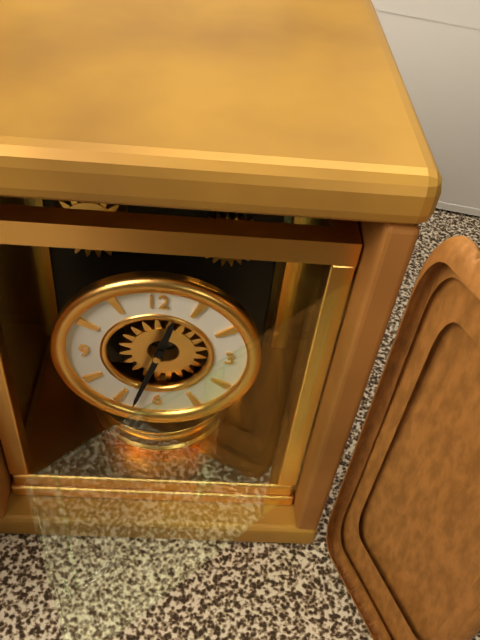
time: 12:33
